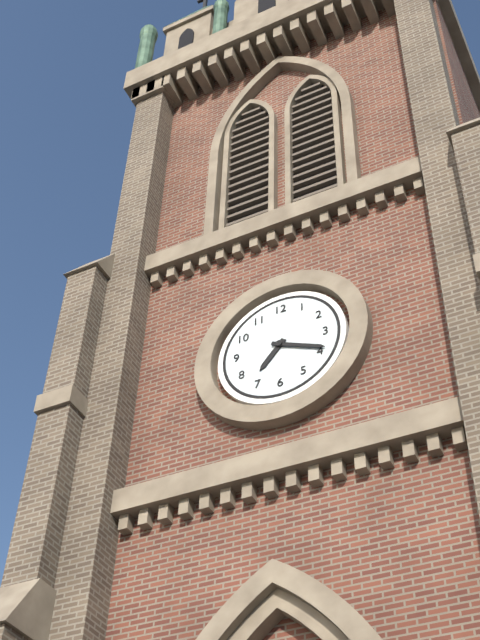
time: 7:19
